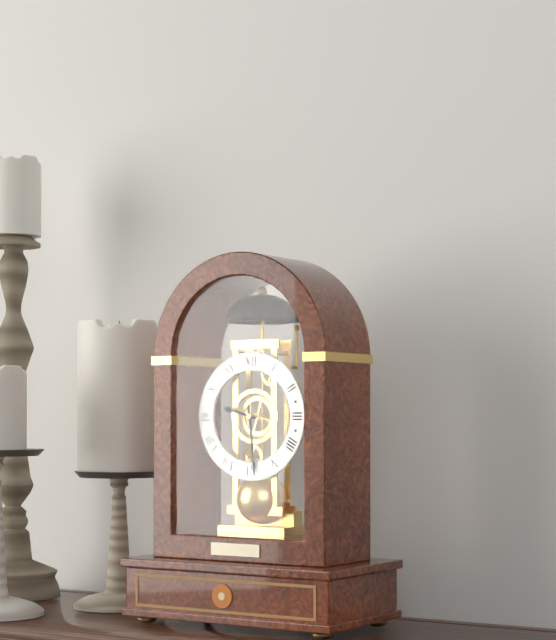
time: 9:29
